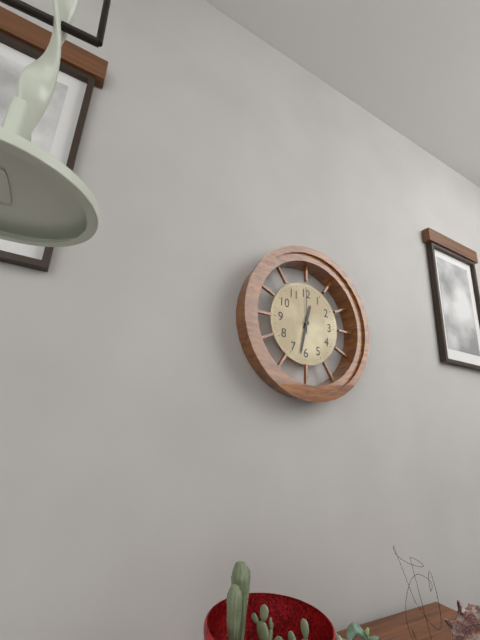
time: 12:32
